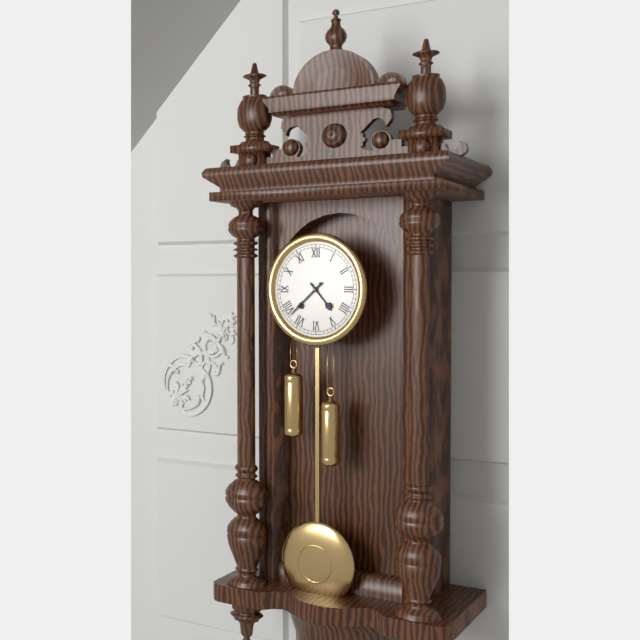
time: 4:38
